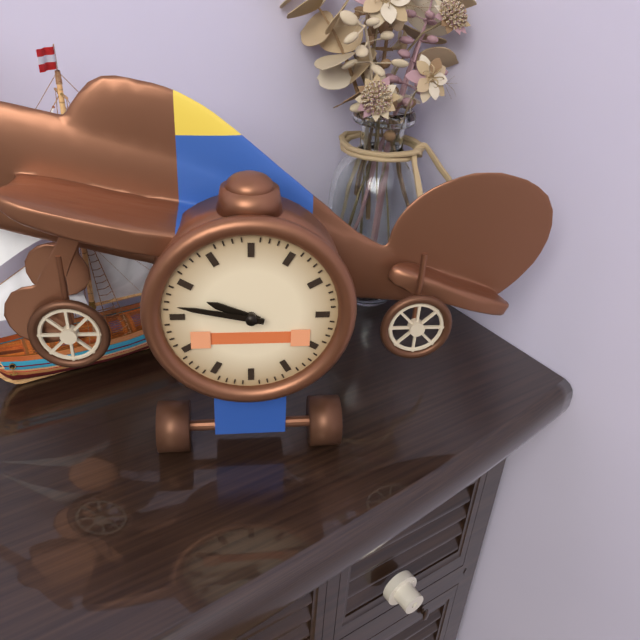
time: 9:47
